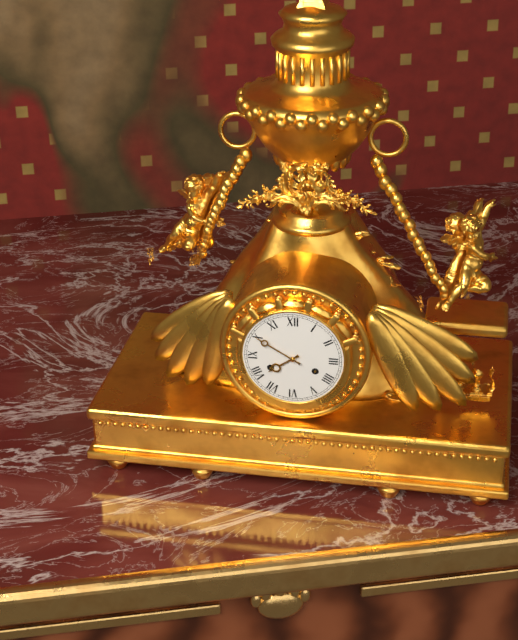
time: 7:50
